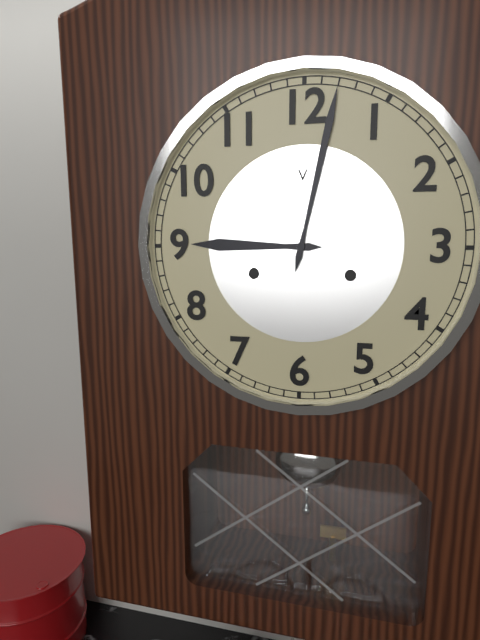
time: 9:02
